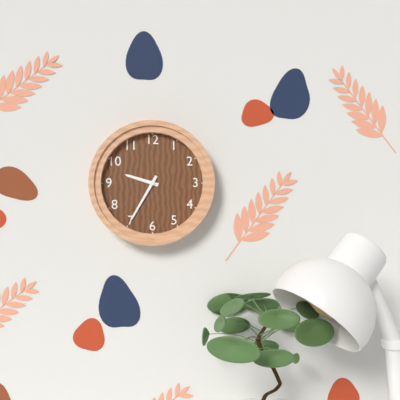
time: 9:35
